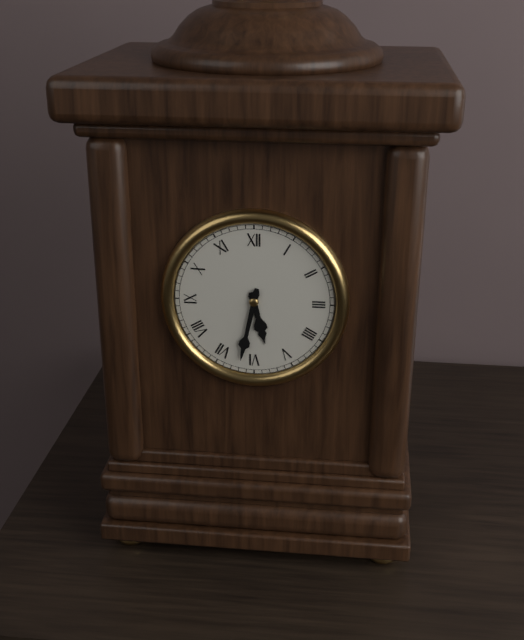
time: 5:32
